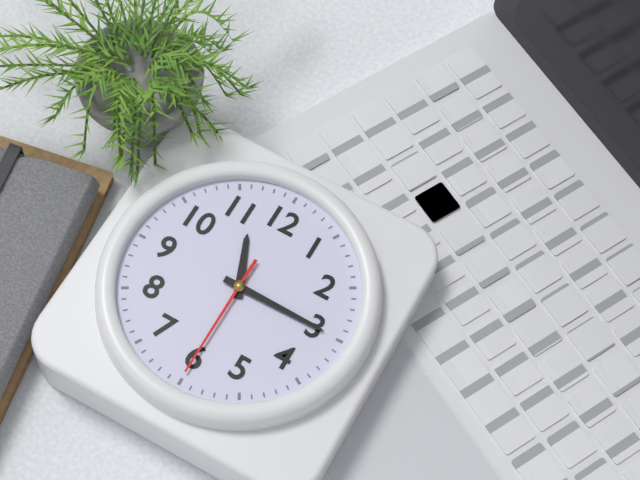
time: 11:15:30
